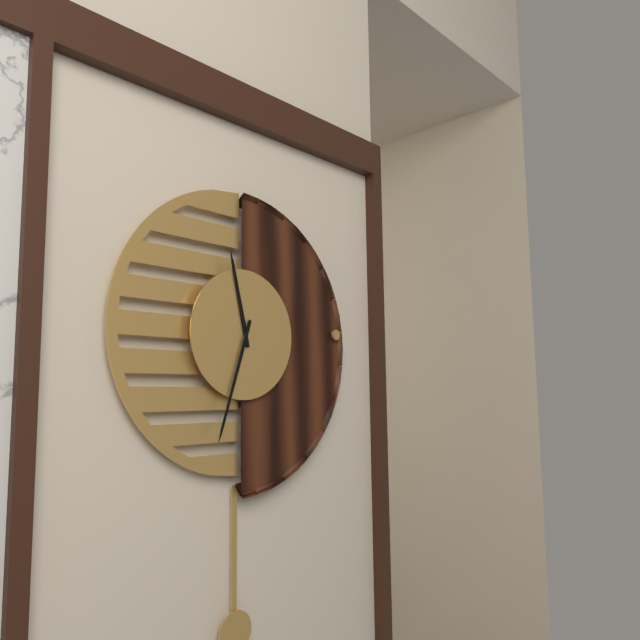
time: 11:33
